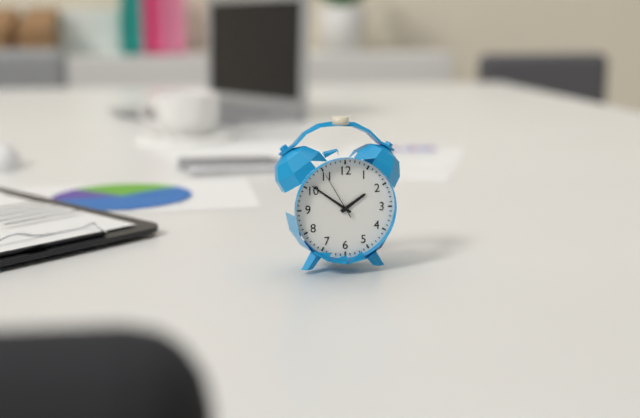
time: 1:51:55
